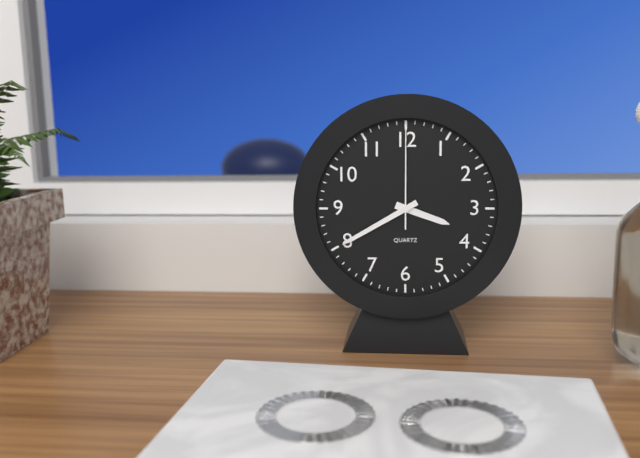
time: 3:40:00
